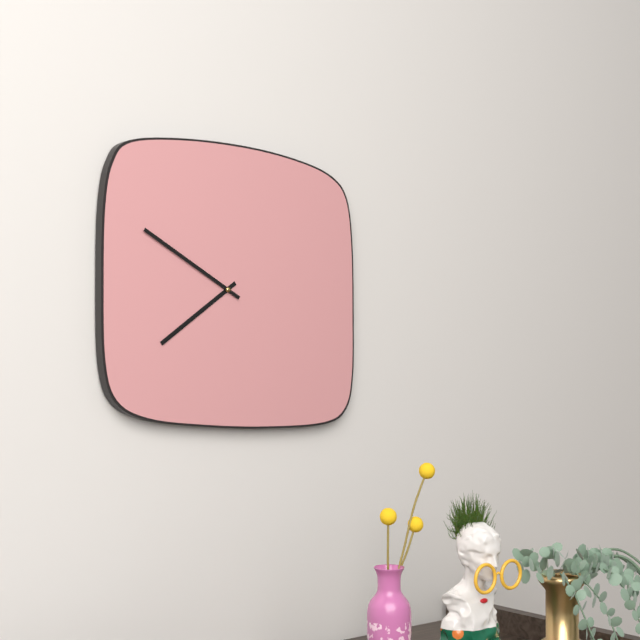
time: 7:50
